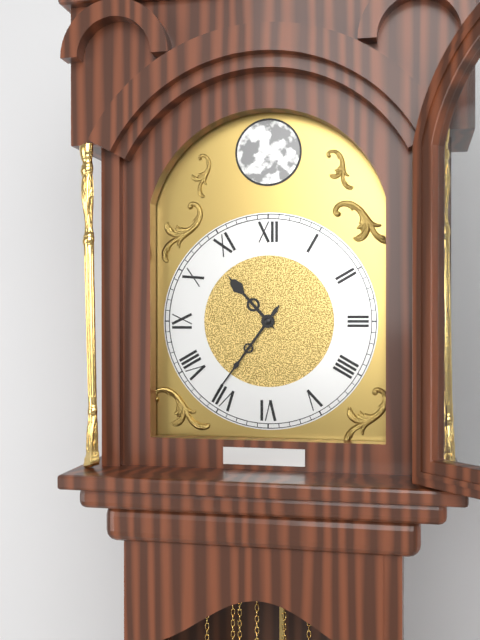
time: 10:36
